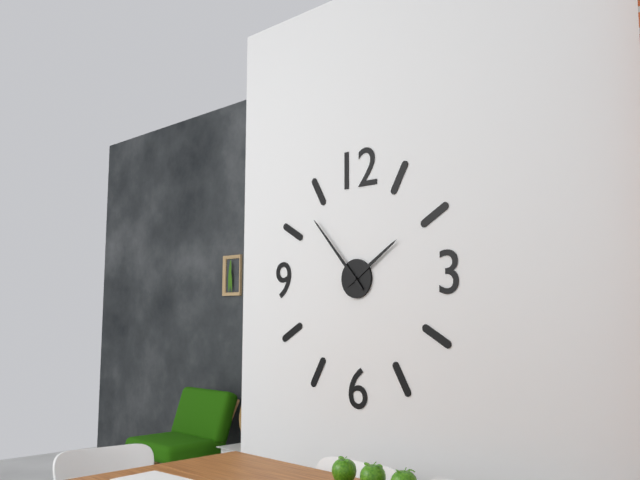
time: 1:53
